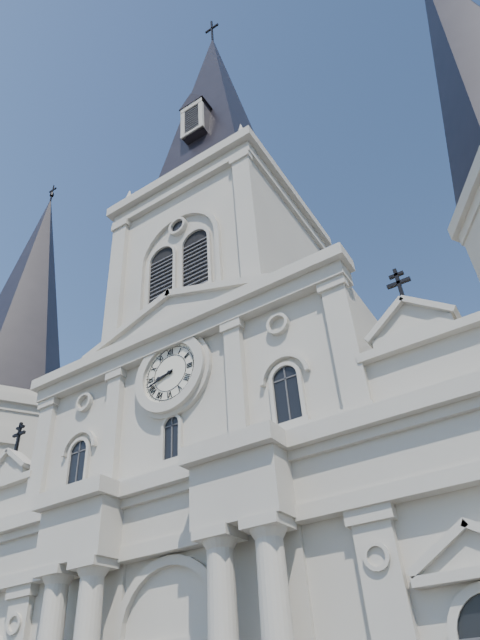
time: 8:42
